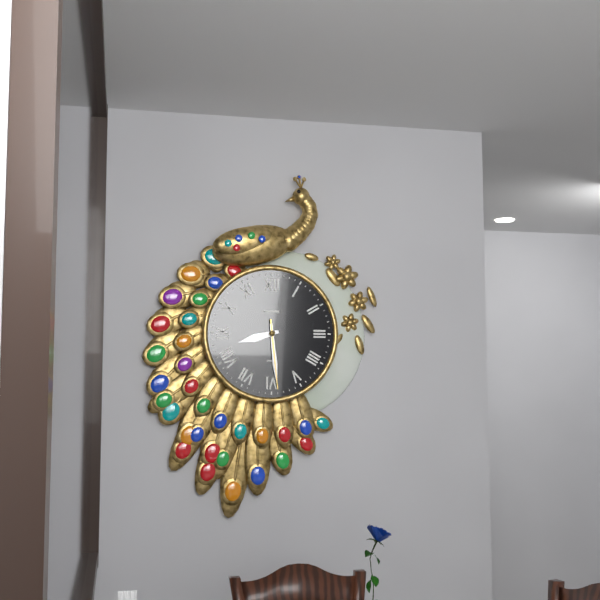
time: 8:29:29
